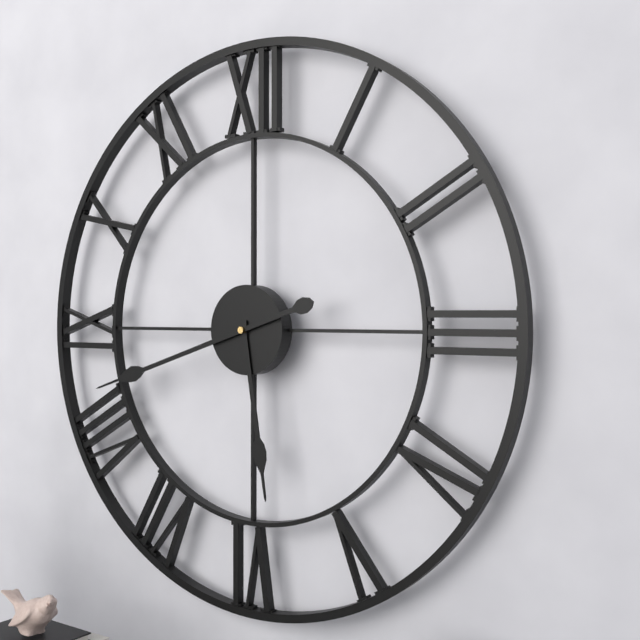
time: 5:42
